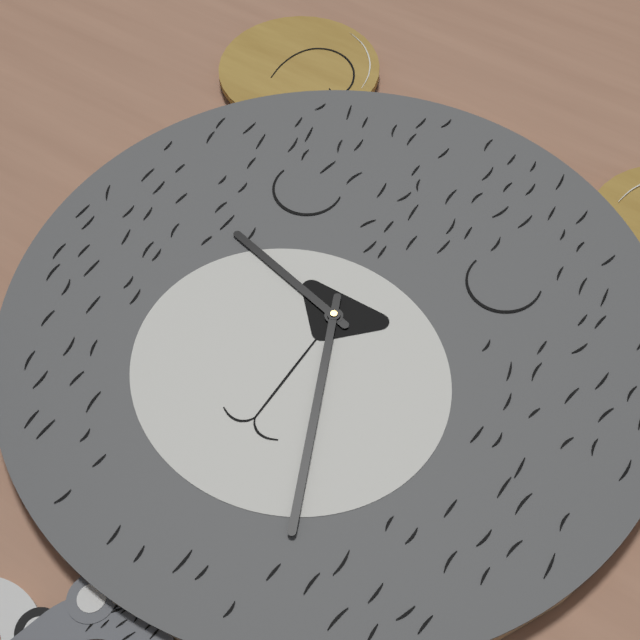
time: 9:26
